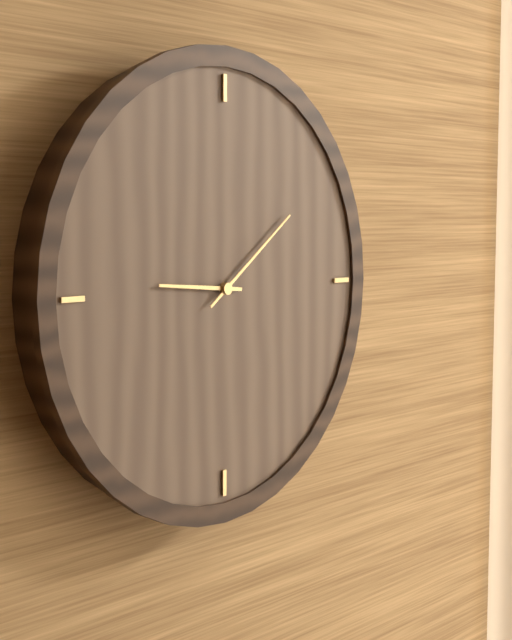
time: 9:09
